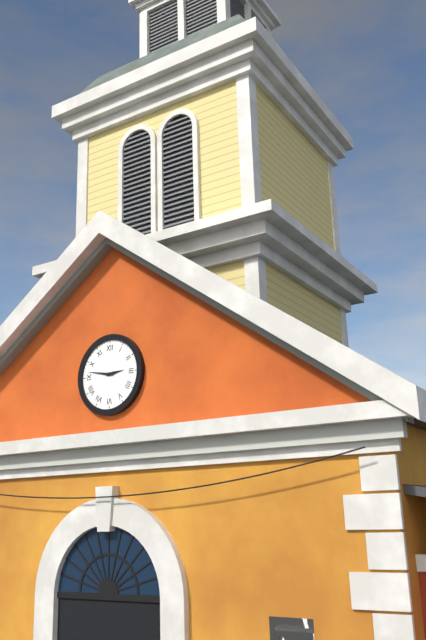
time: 2:47
